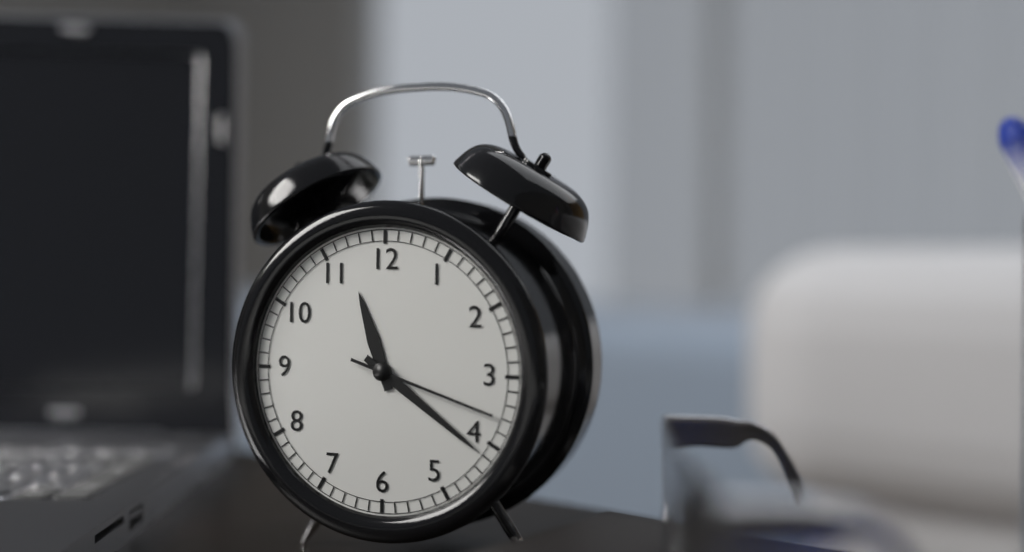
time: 11:21:18
